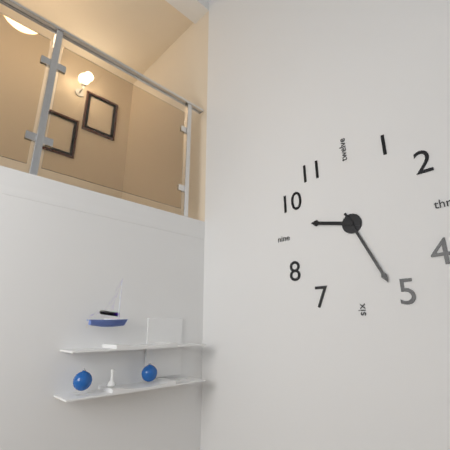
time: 9:26
